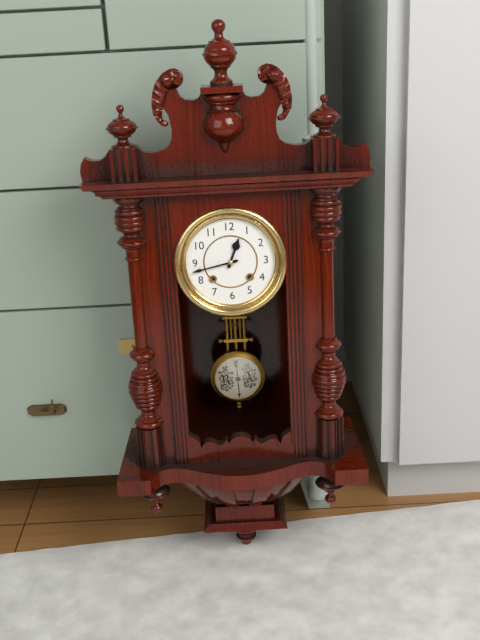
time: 12:43
